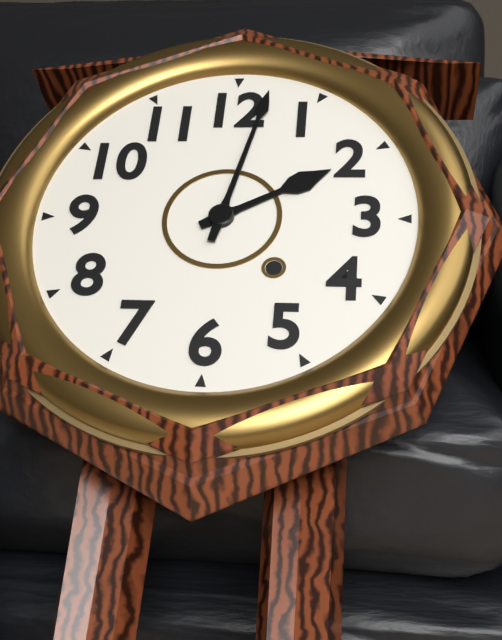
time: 2:02
